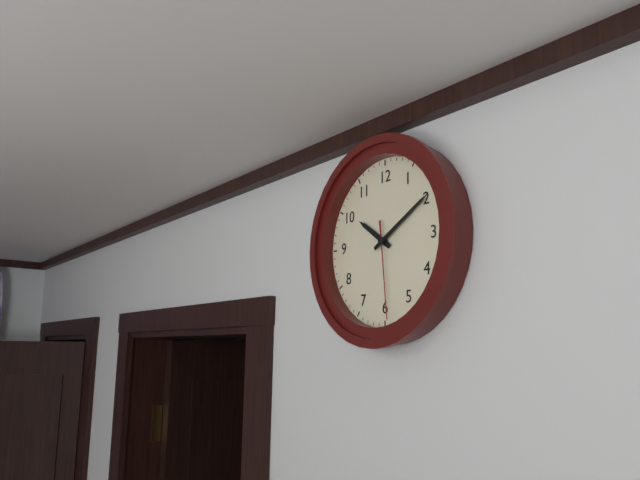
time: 10:10:29
